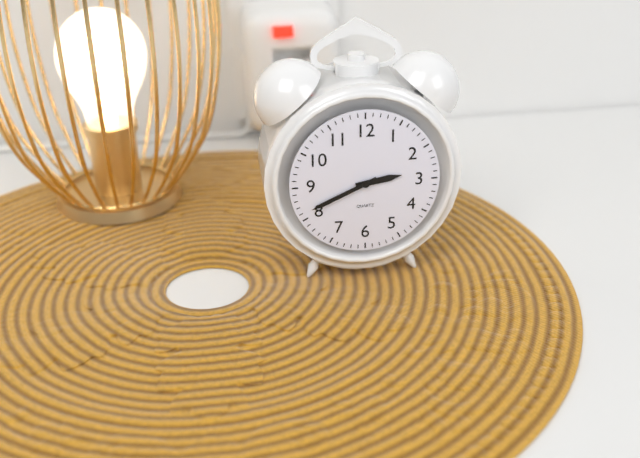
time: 2:41
